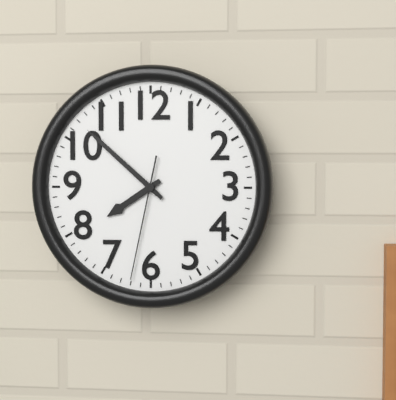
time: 7:52:32
